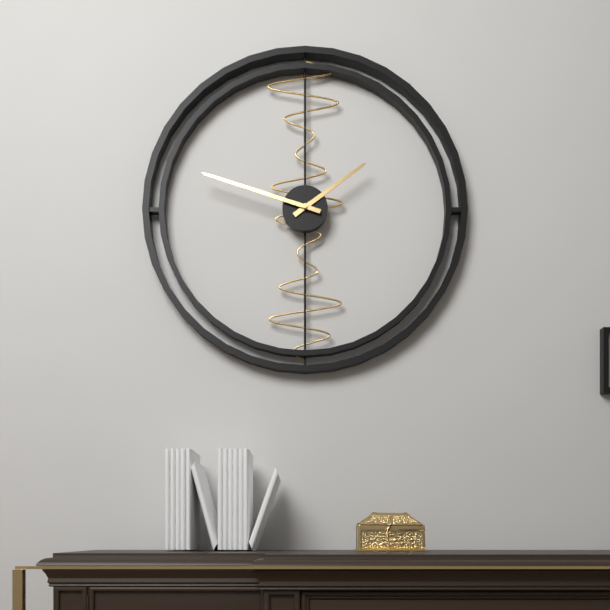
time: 1:48
